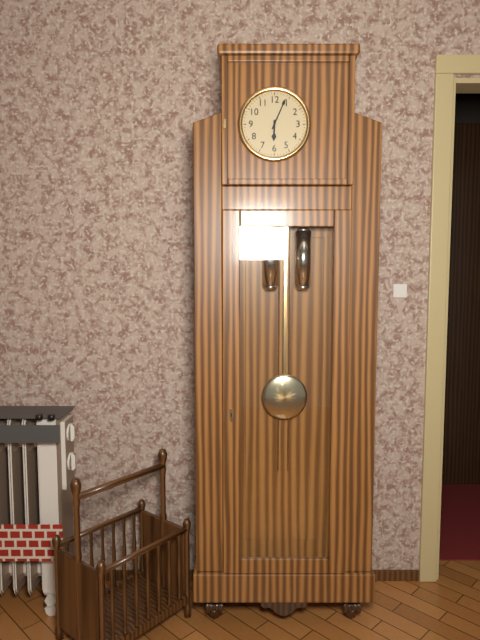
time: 6:04
